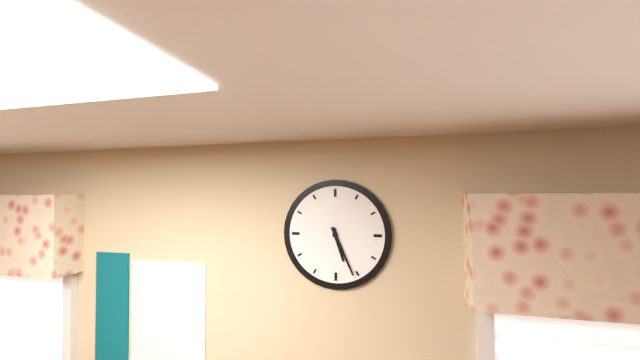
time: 5:26
